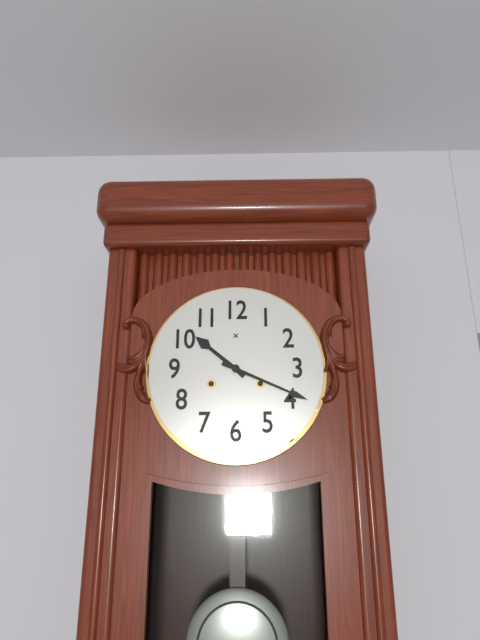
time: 10:19
